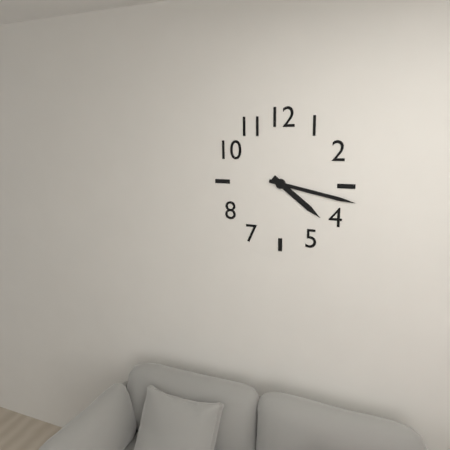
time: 4:17
